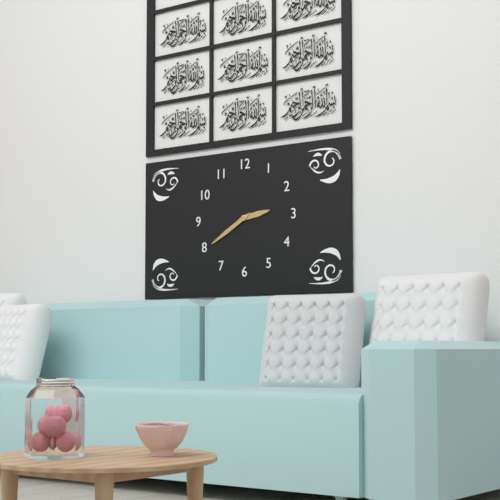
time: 2:40
